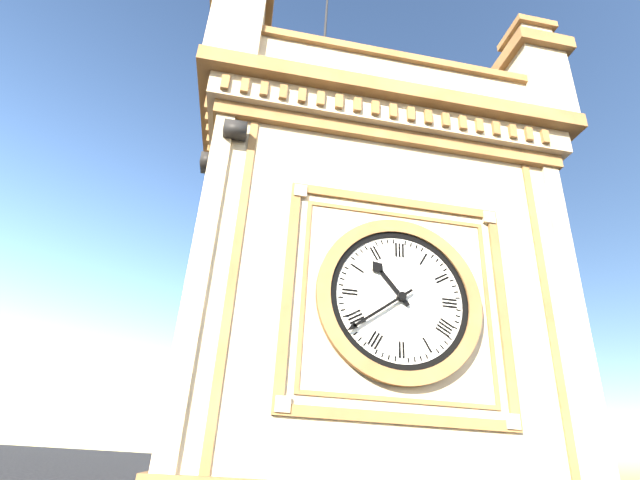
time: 10:39
